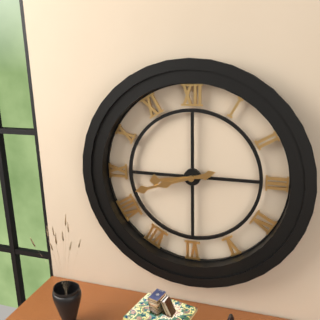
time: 8:42
